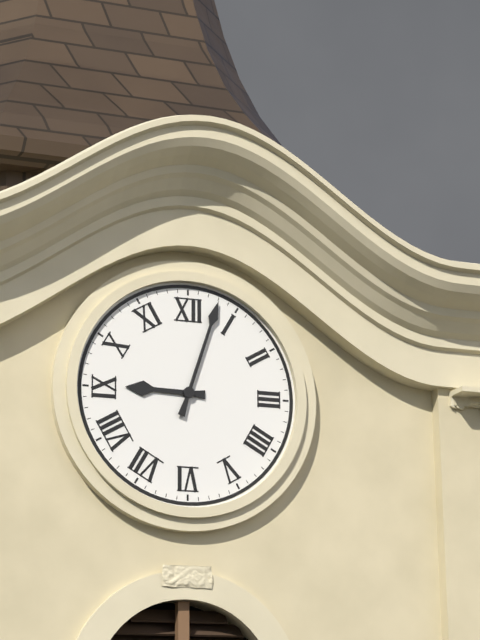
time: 9:03
